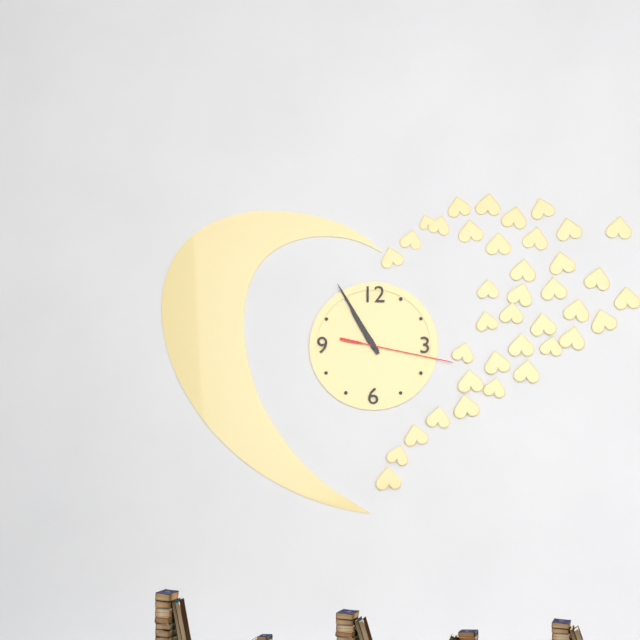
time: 10:55:17
